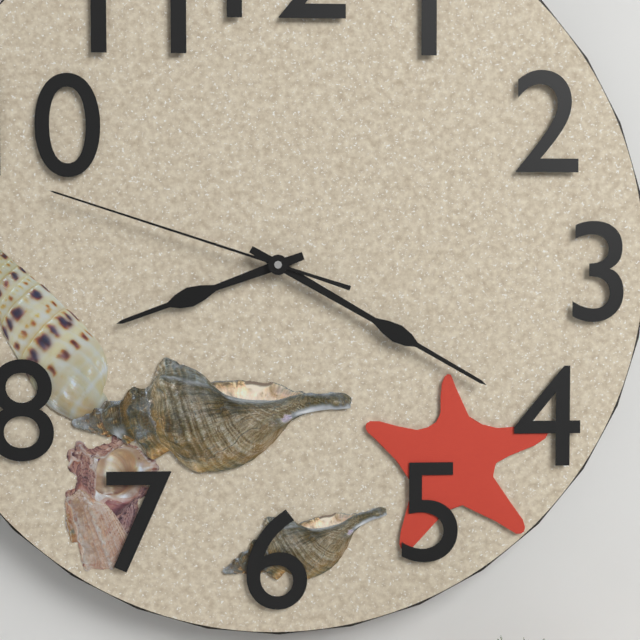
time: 8:20:48
